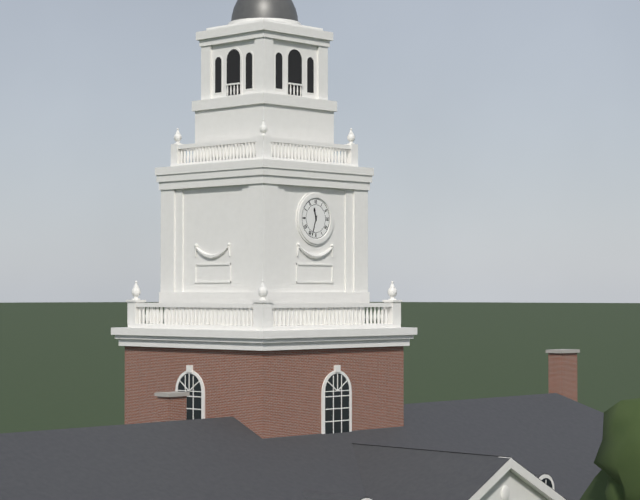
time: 11:33
